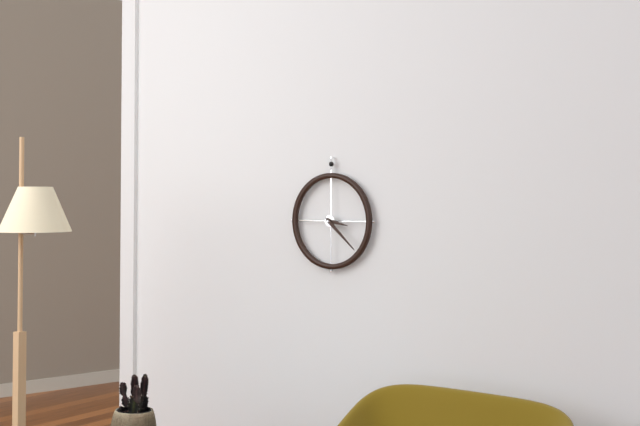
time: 3:22
